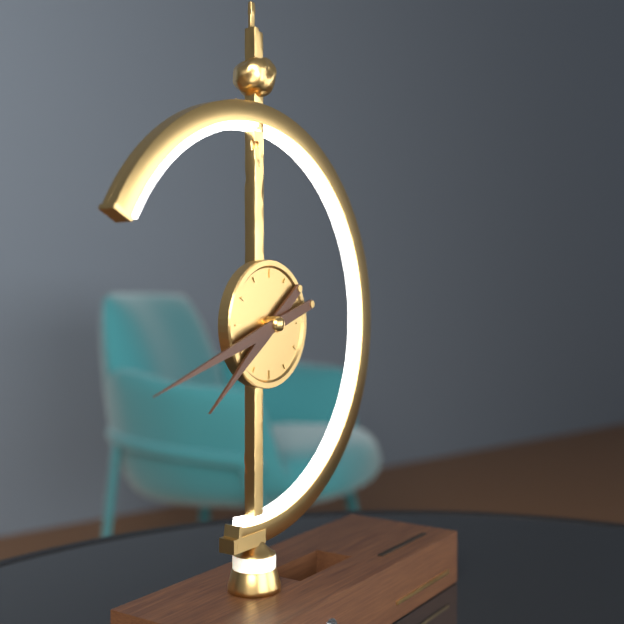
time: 7:42
